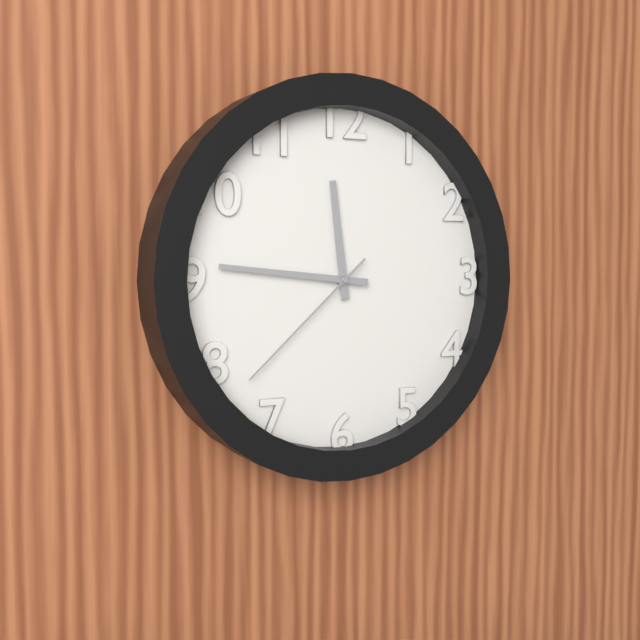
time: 11:46:38
